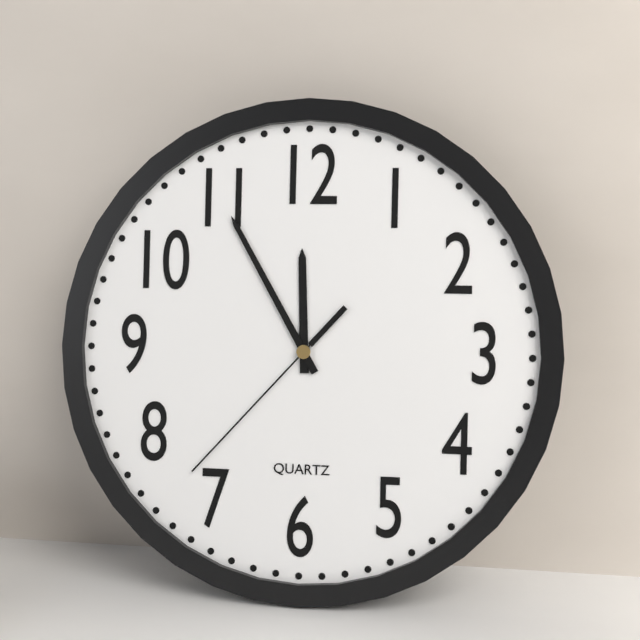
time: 11:55:37
